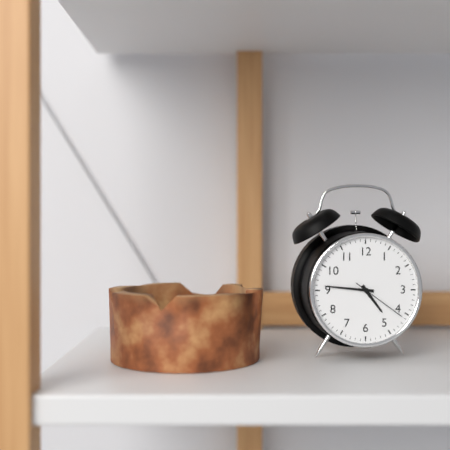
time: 4:46:21
